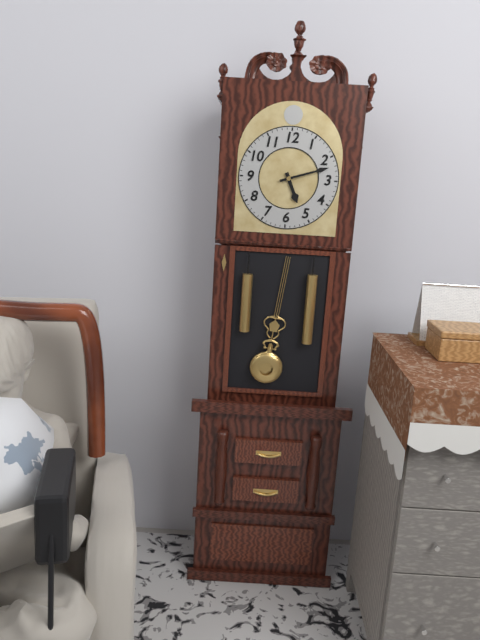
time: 5:12
